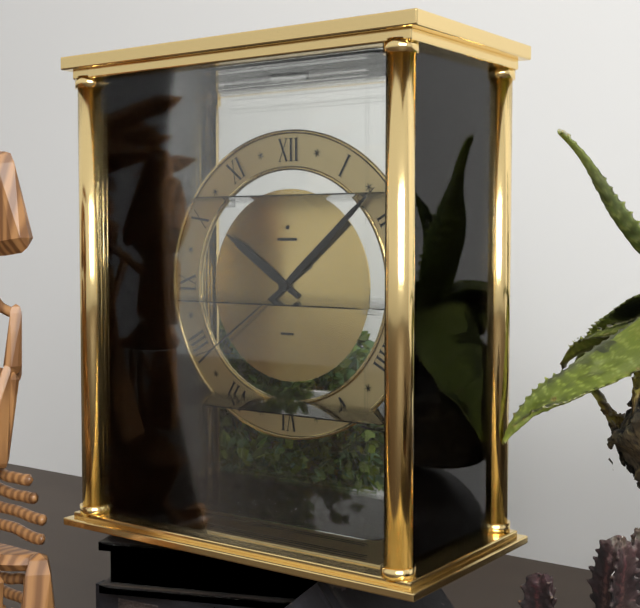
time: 10:08:39
